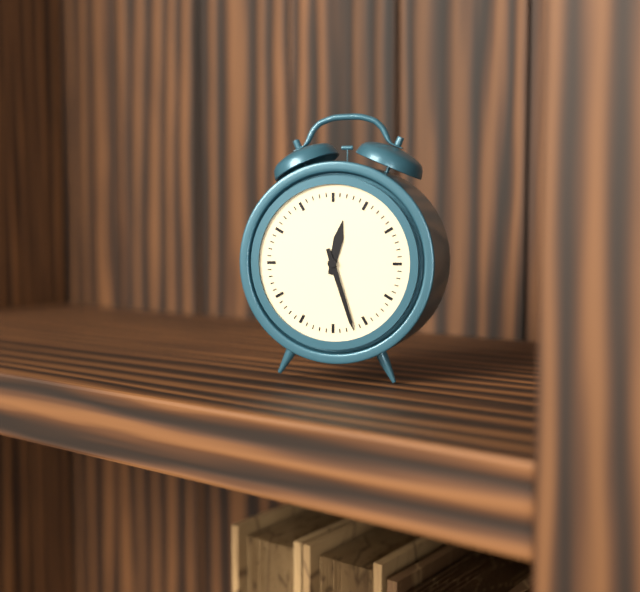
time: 12:27
